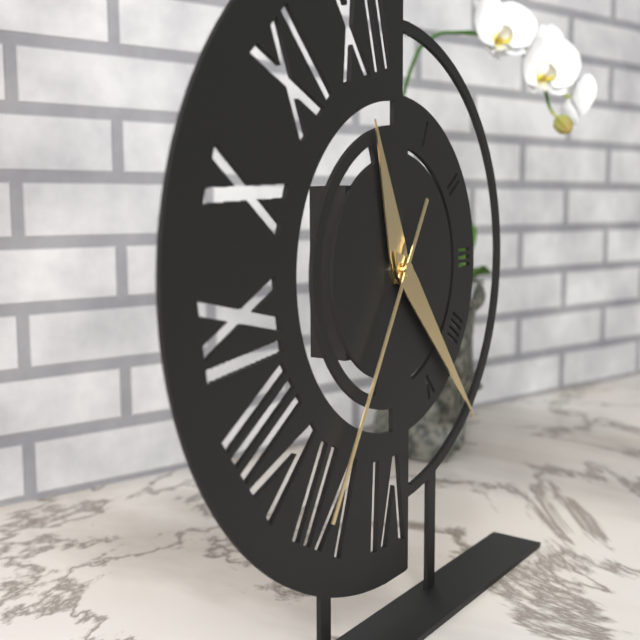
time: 11:23:35
